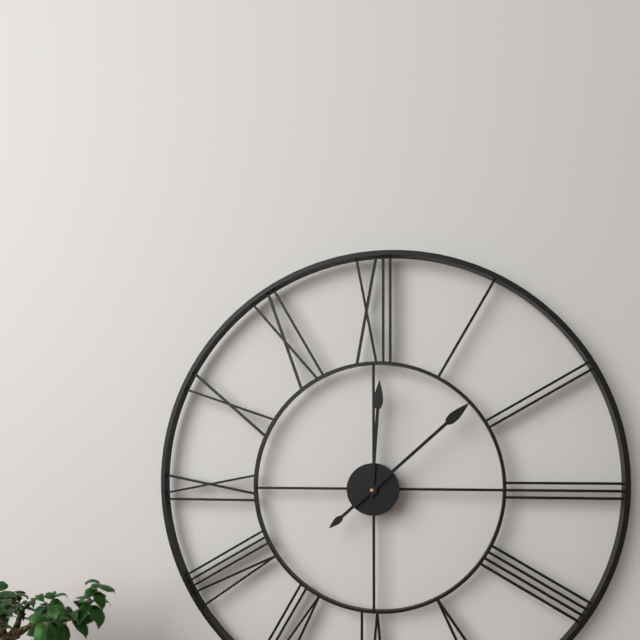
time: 12:08
